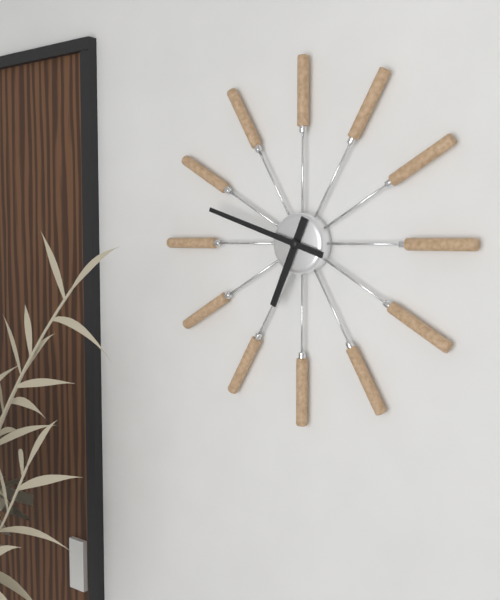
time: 6:48
